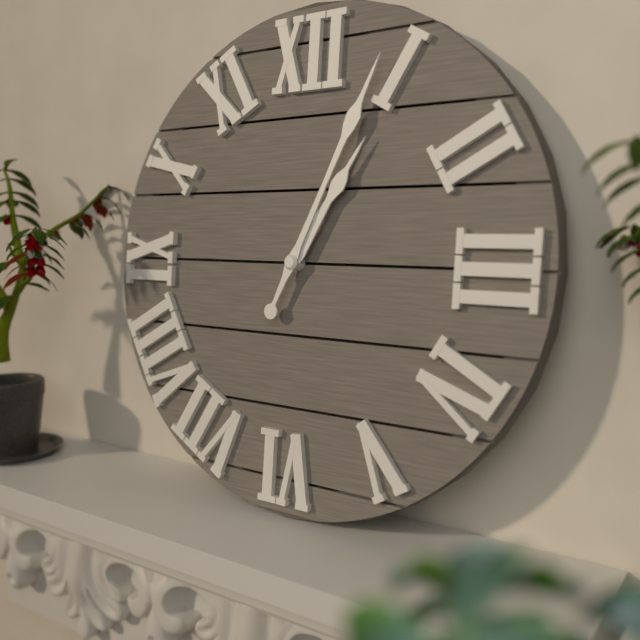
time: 1:04
